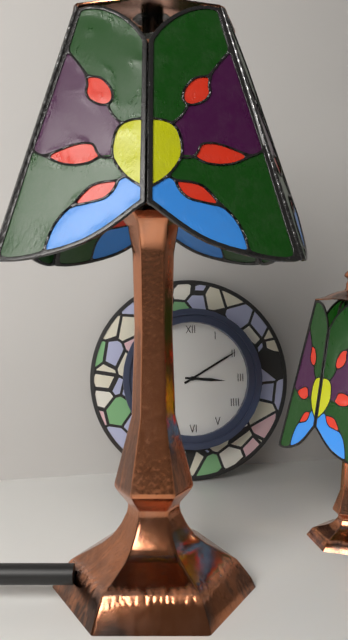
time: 3:10
